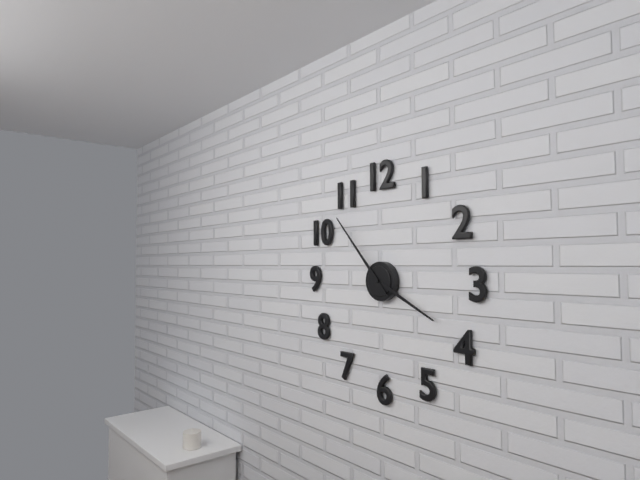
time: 3:53
